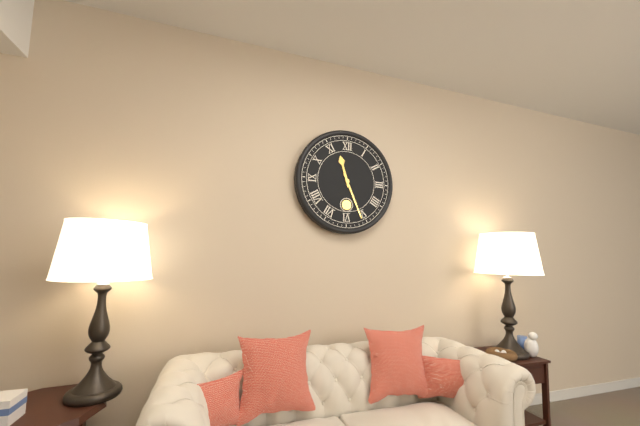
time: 11:26
